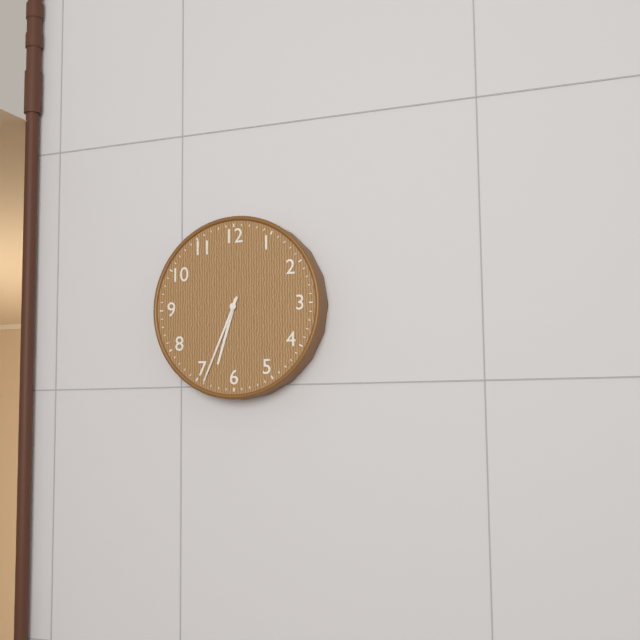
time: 6:34
